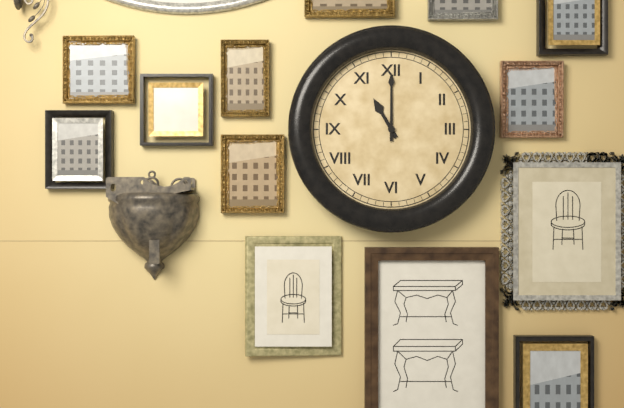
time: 11:00
